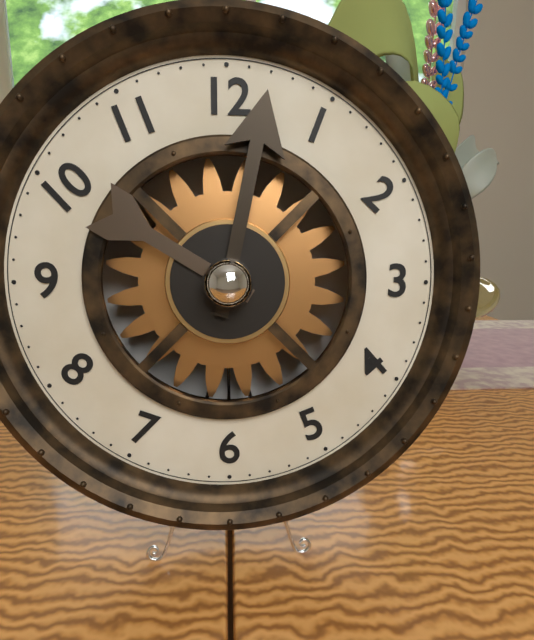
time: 10:02
